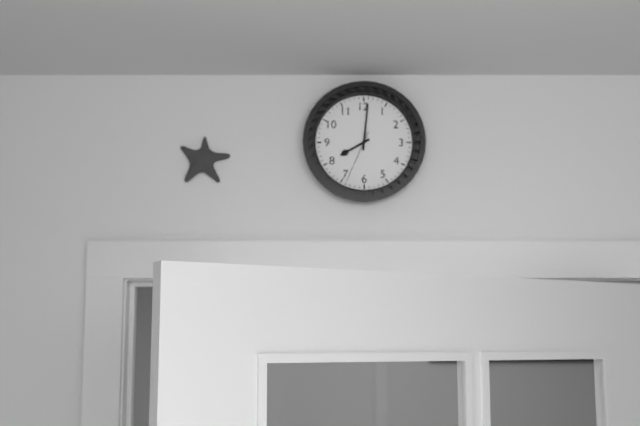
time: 8:01:34
